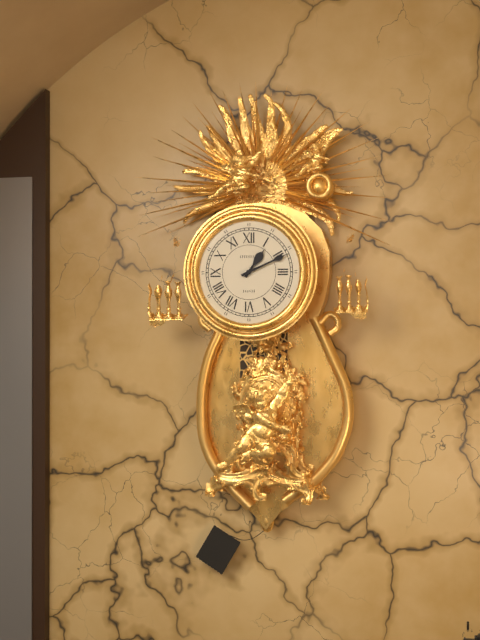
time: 1:11
